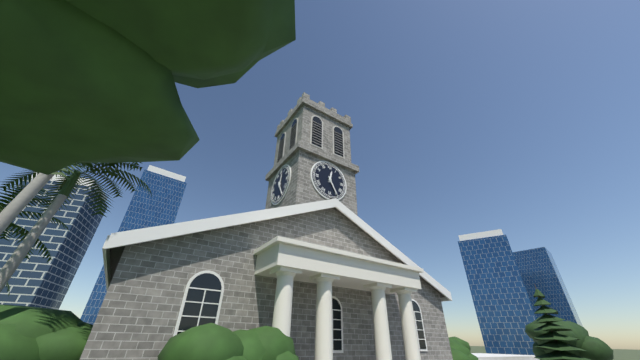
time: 12:25
